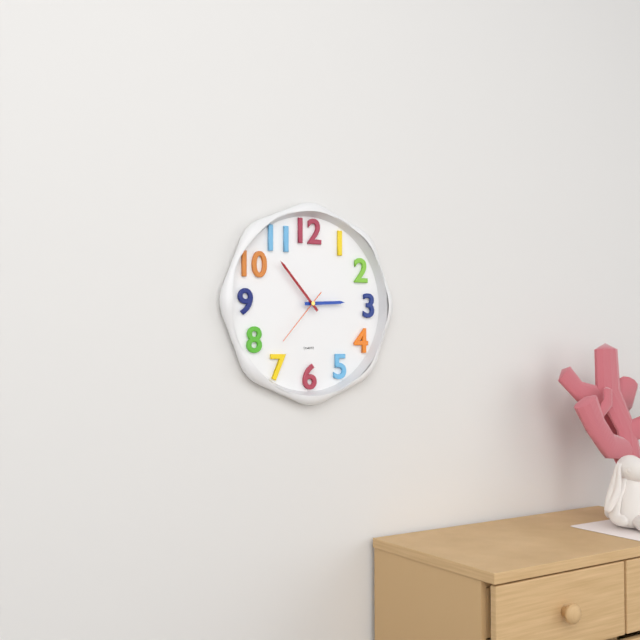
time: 2:53:37
